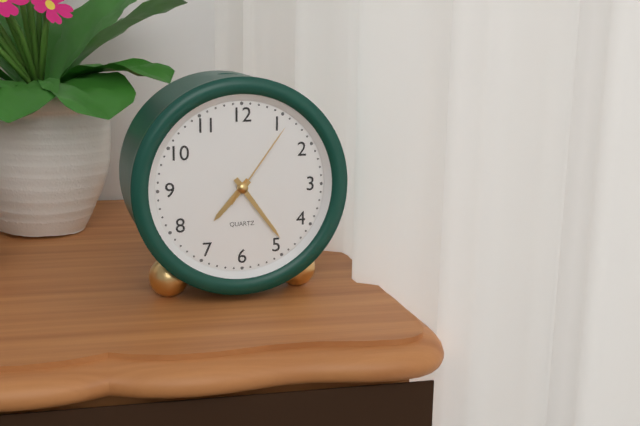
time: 7:24:06
